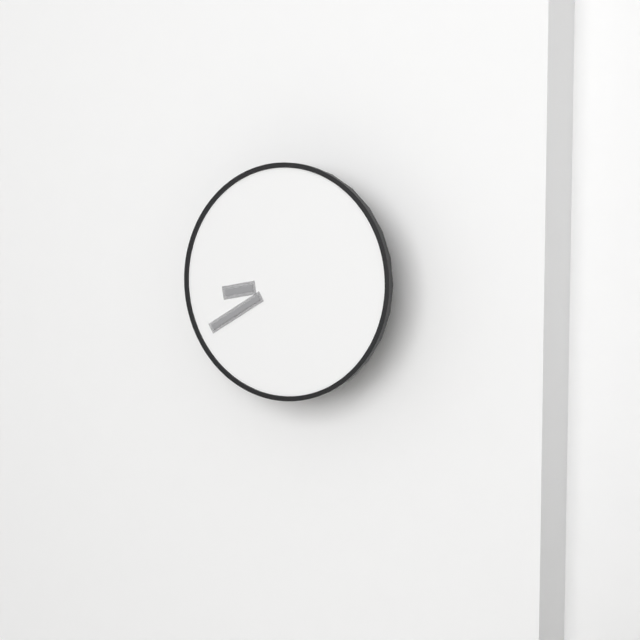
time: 8:40
